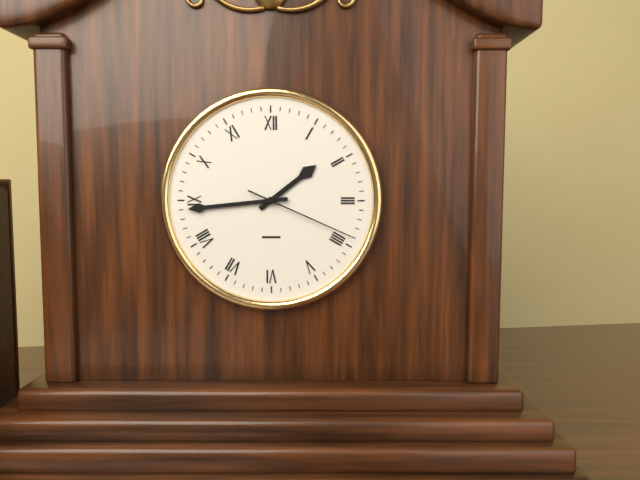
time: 1:44:19
